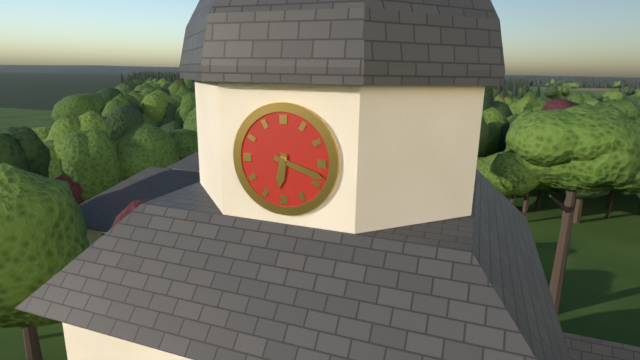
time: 6:18
